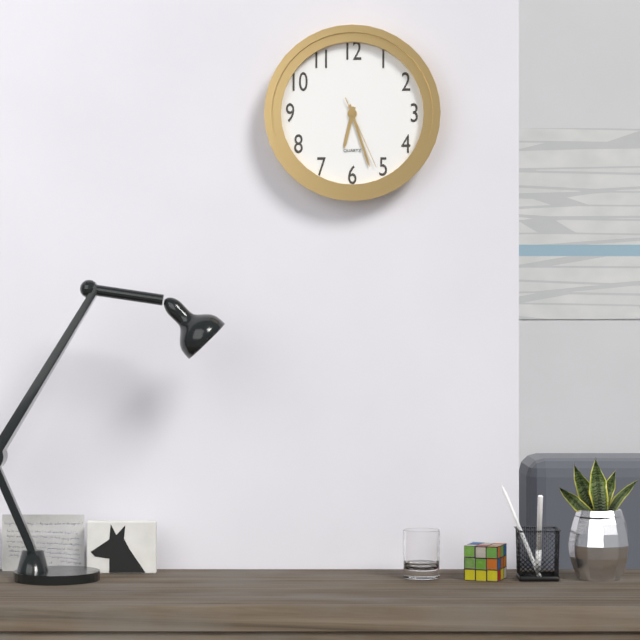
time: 6:27:26
